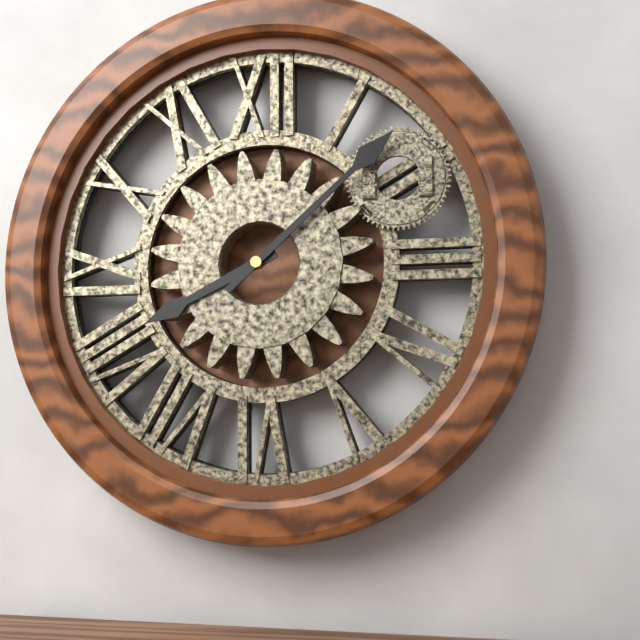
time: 8:08
